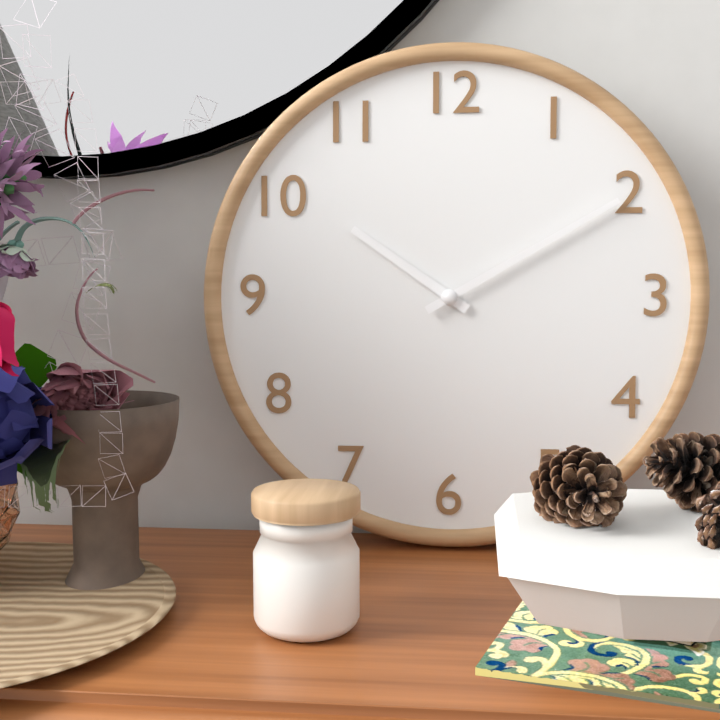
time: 10:10
